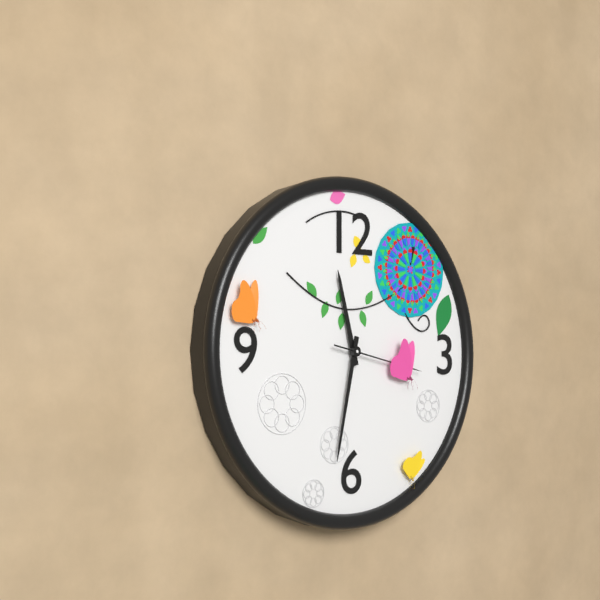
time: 11:32
